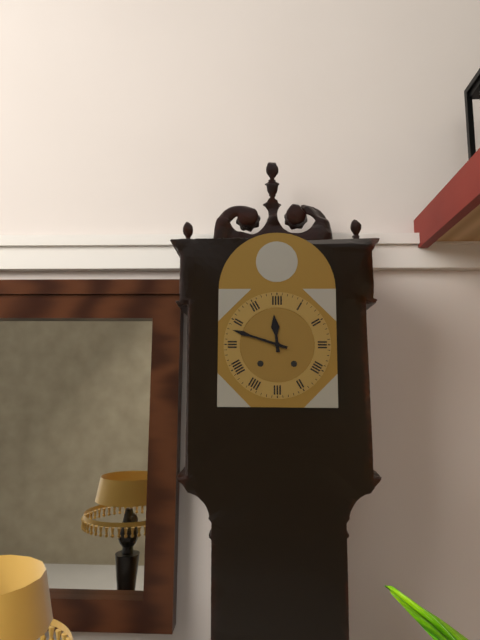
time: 11:48
